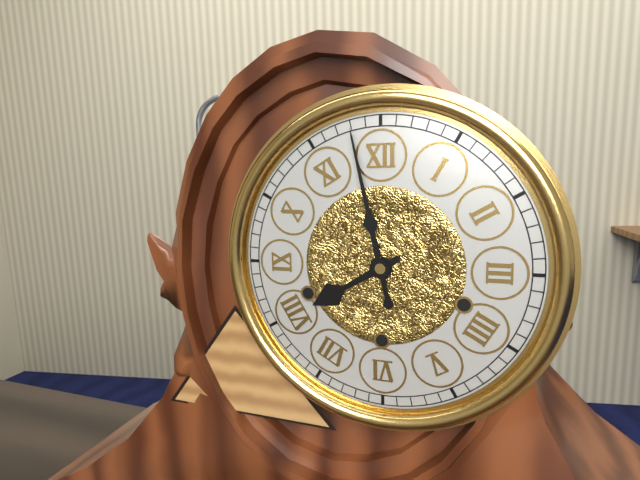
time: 7:58
